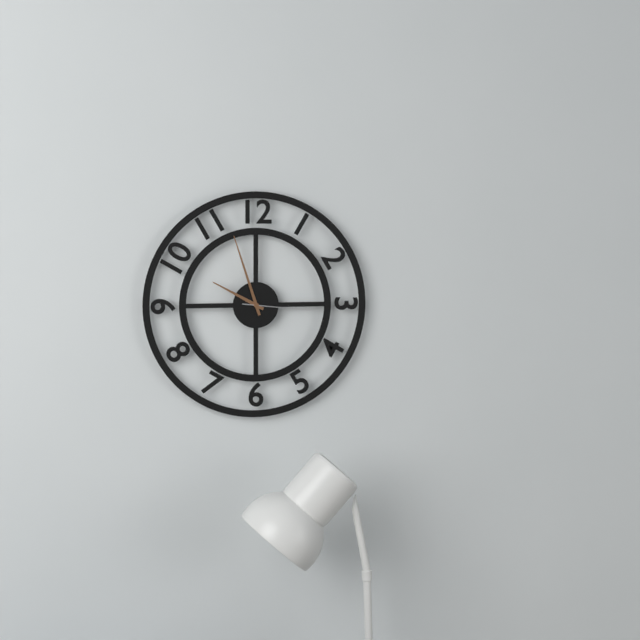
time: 9:57:16
